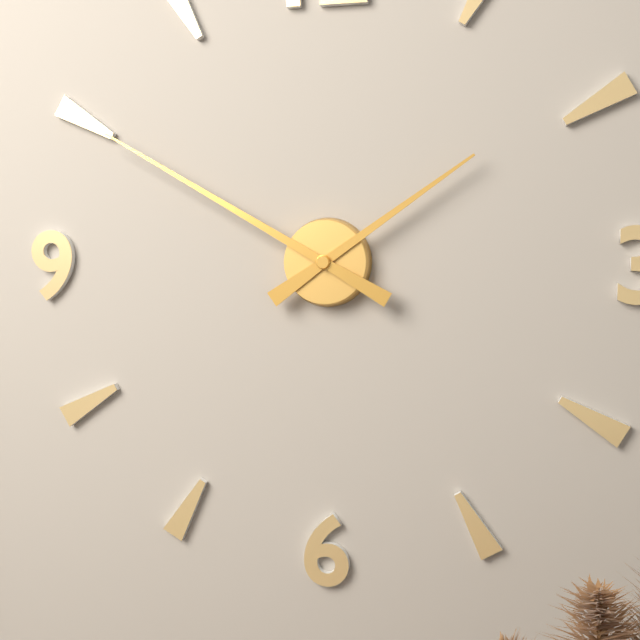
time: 1:50
